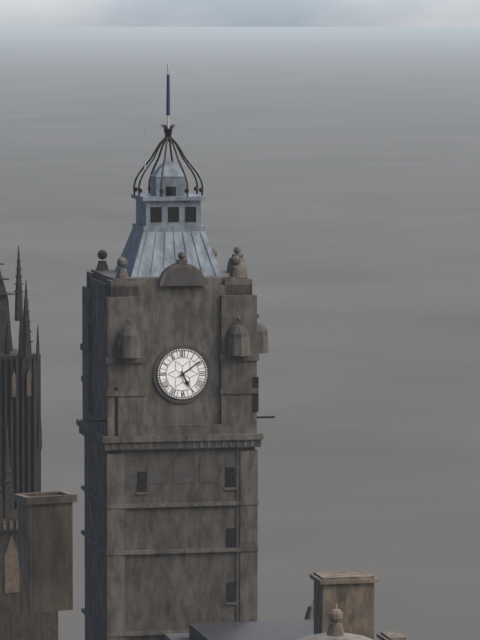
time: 5:09
